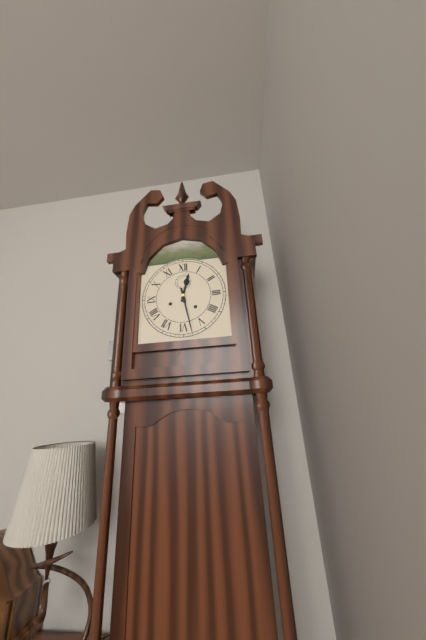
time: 12:28
